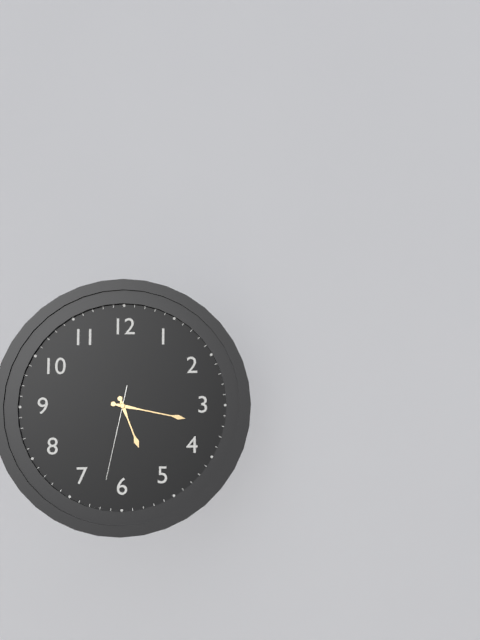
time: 5:17:32
